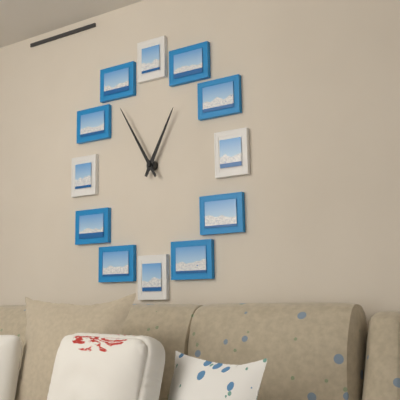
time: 12:55
